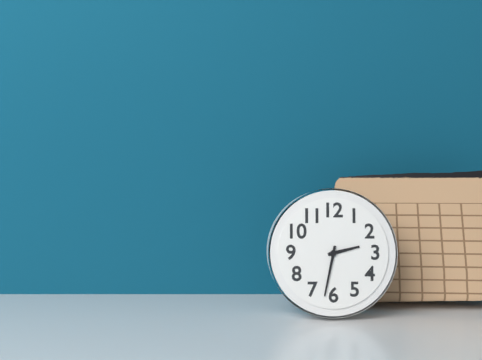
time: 2:32
